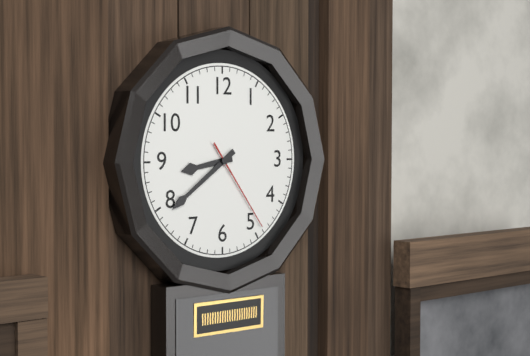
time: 8:39:24
